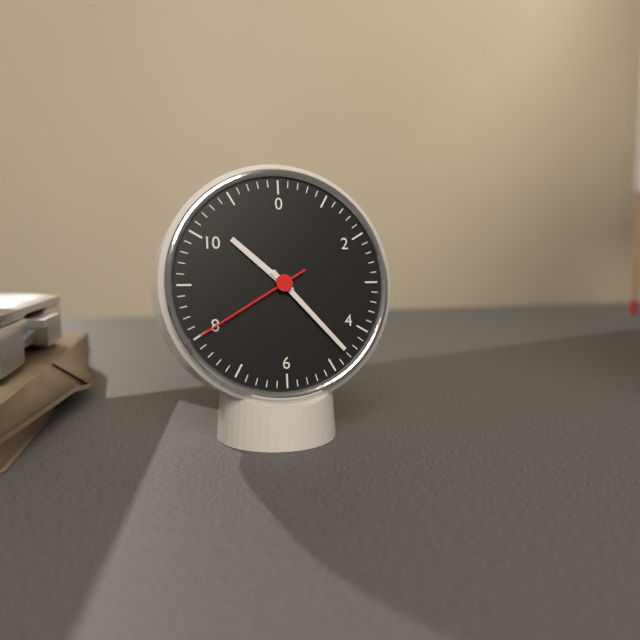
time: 10:23:40
